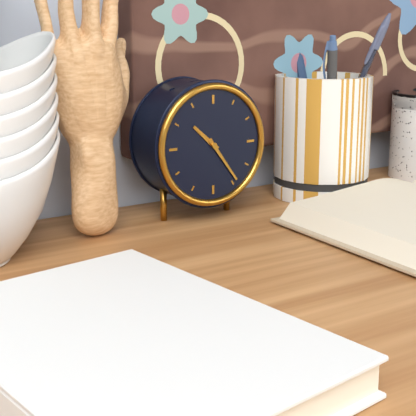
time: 10:24
